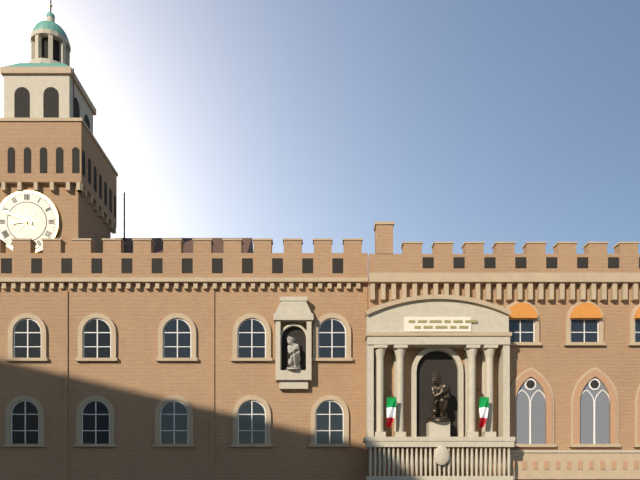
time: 8:49
